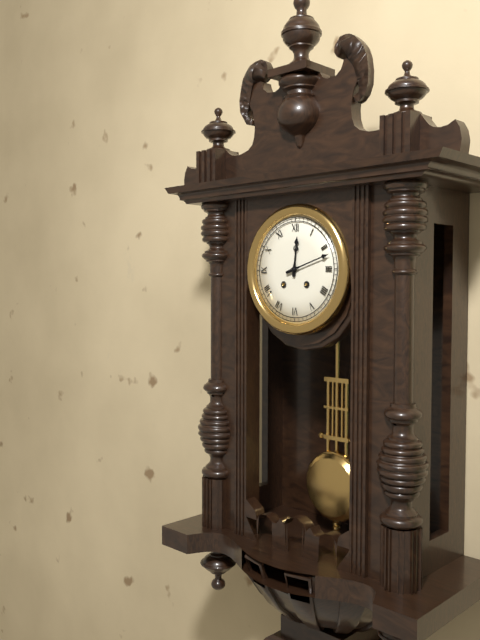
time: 12:12
